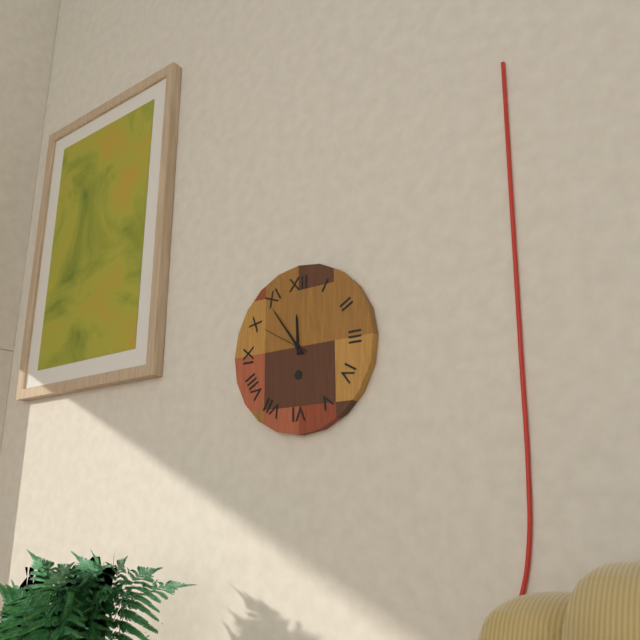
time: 11:54
